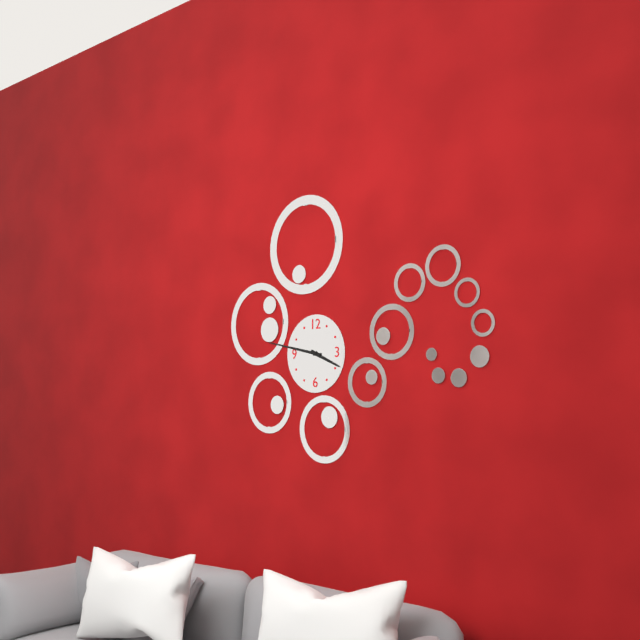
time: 3:47
